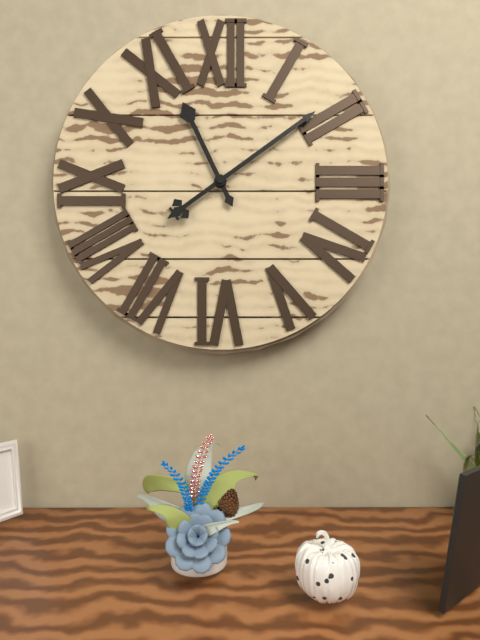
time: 11:09
